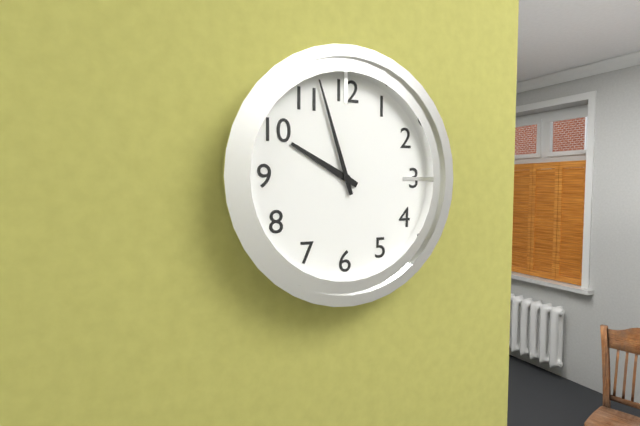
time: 9:57
